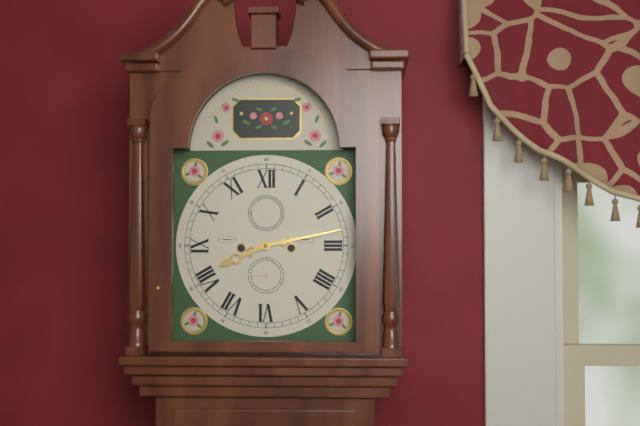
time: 8:13
